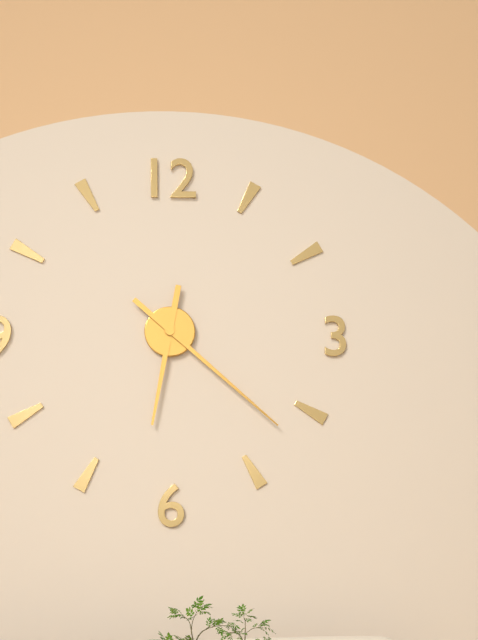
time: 6:22
